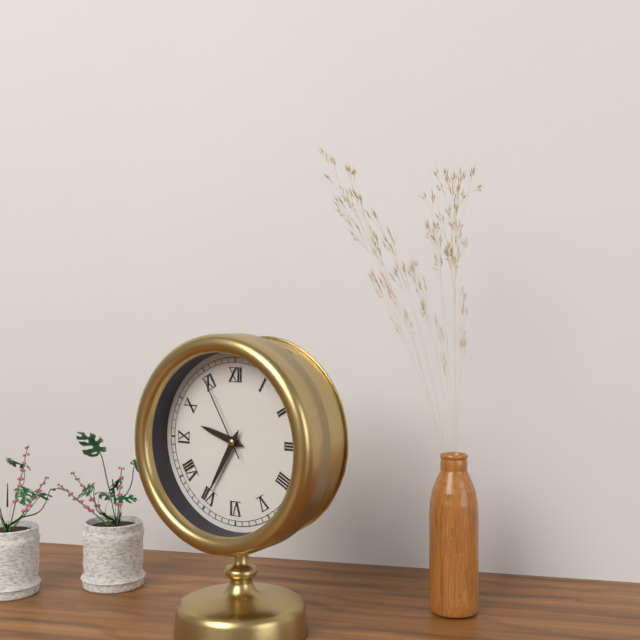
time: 9:35:55
